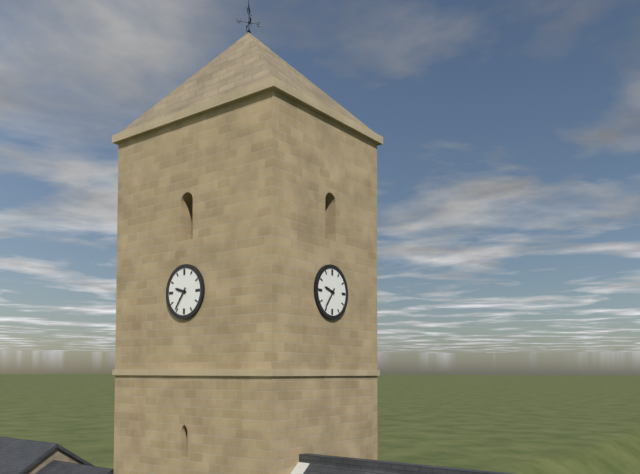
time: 9:36
